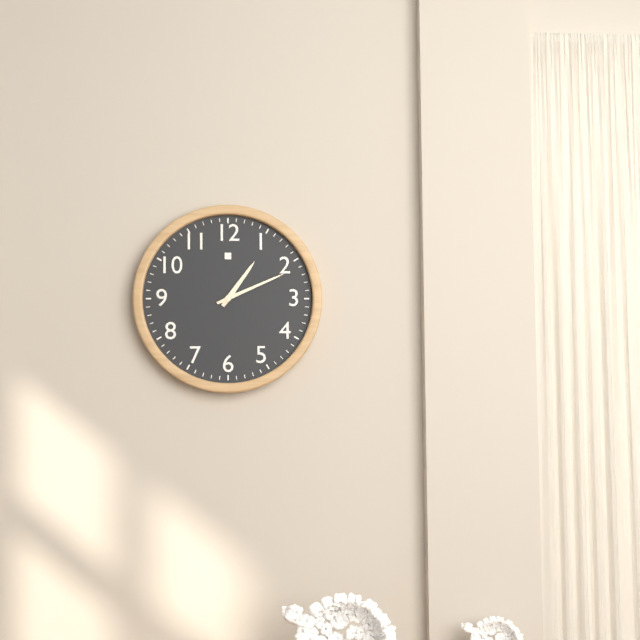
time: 1:11
